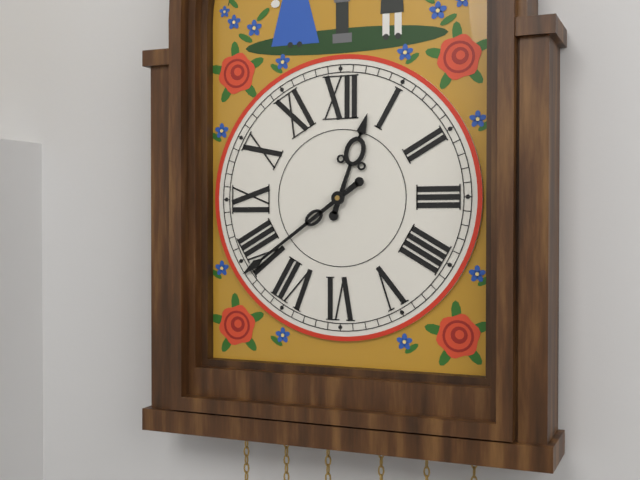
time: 12:39
